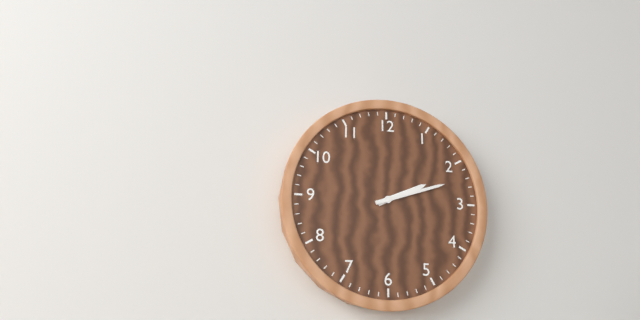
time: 2:12
